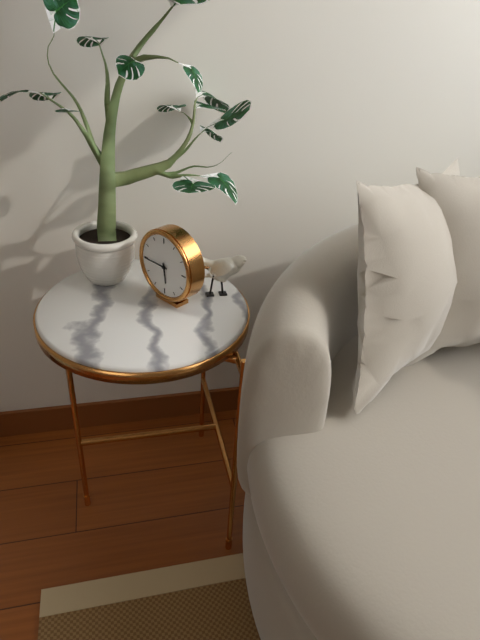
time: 5:45
